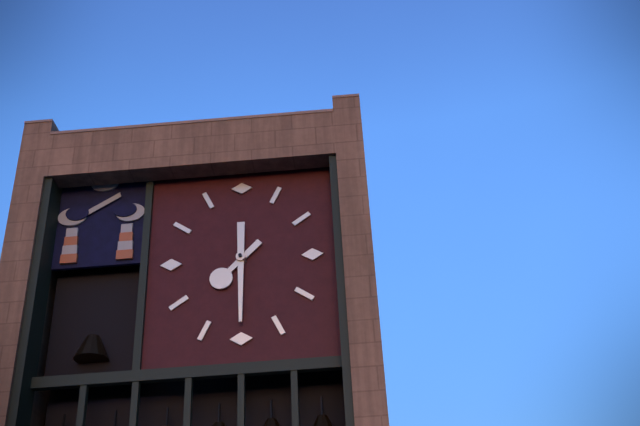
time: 7:30
